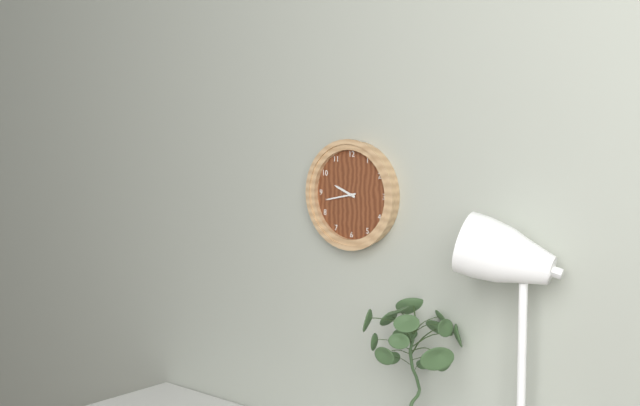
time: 9:43
